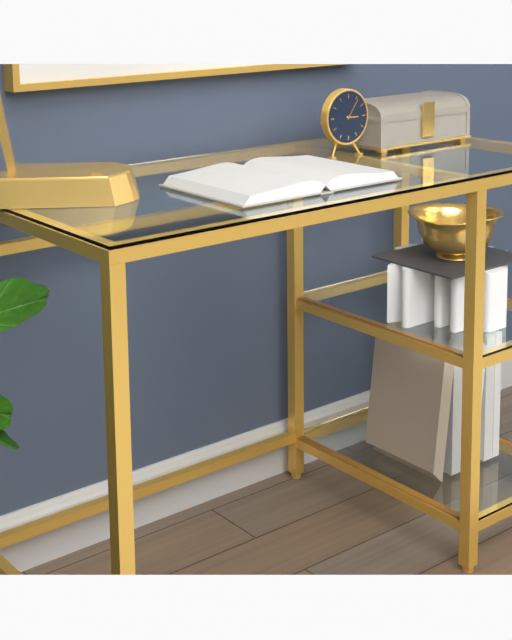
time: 3:06
